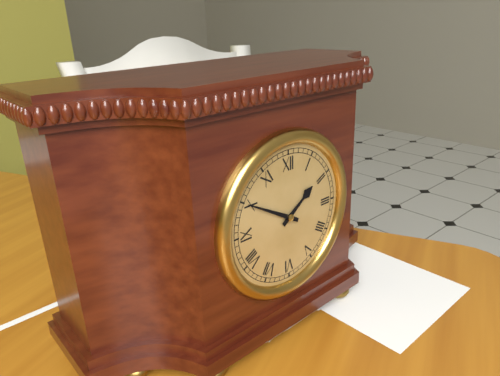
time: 1:50
